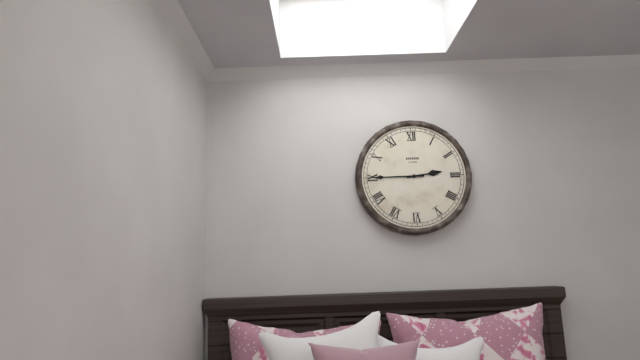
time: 2:45
